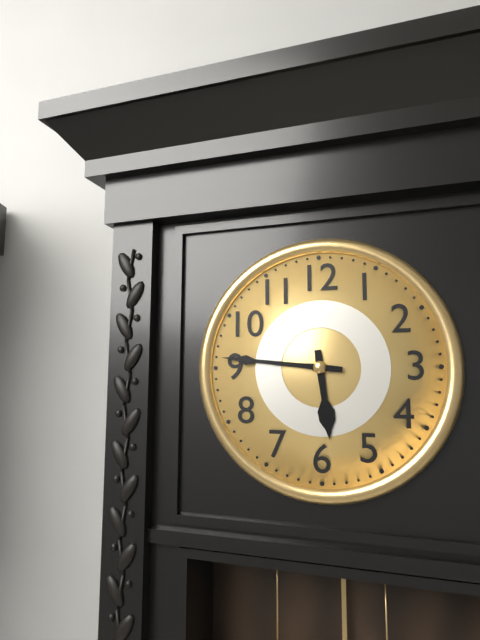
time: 5:46
